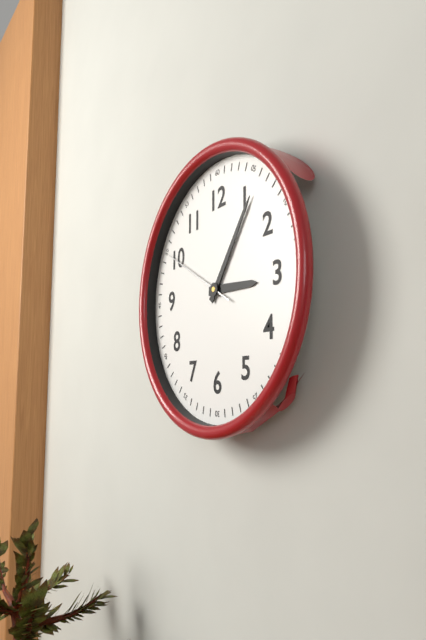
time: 3:06:50
